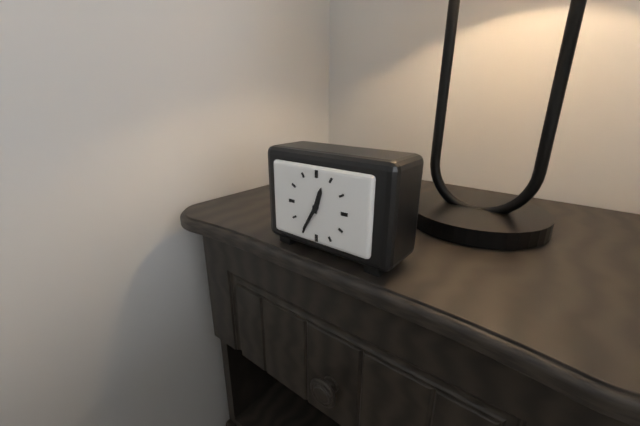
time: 12:35
